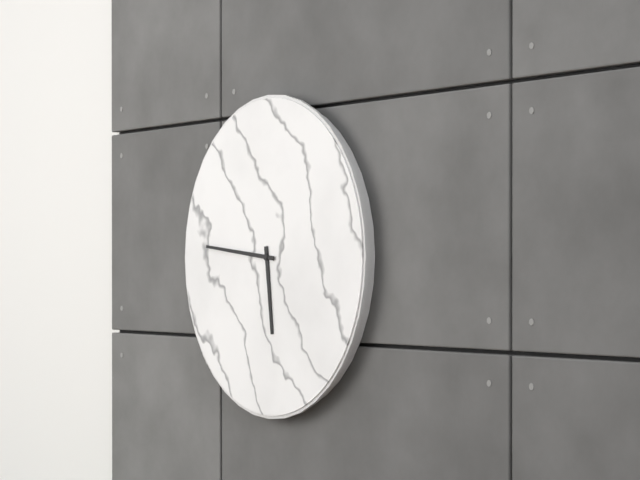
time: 5:46
